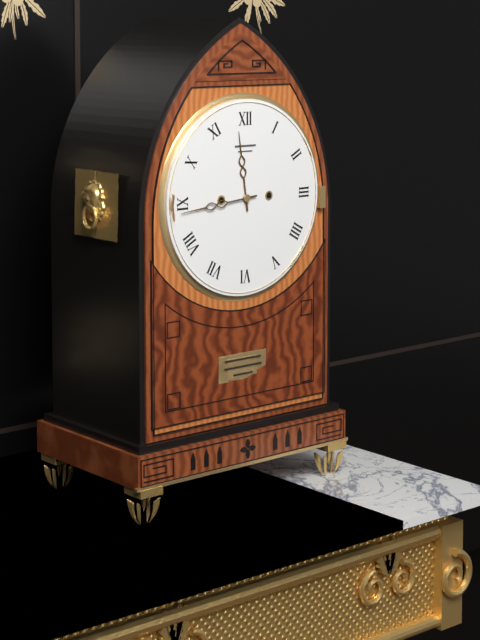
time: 11:44
